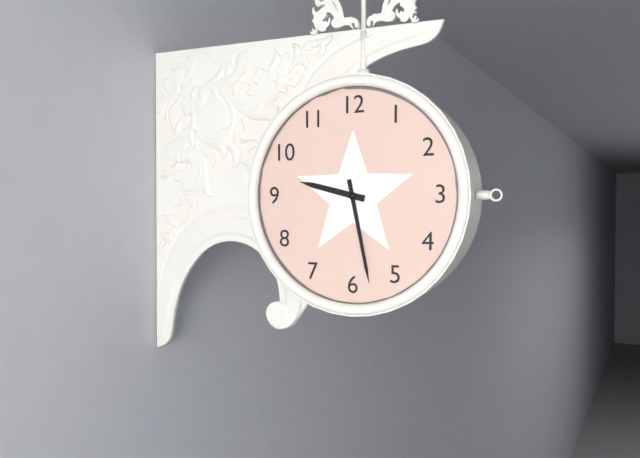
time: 9:28
